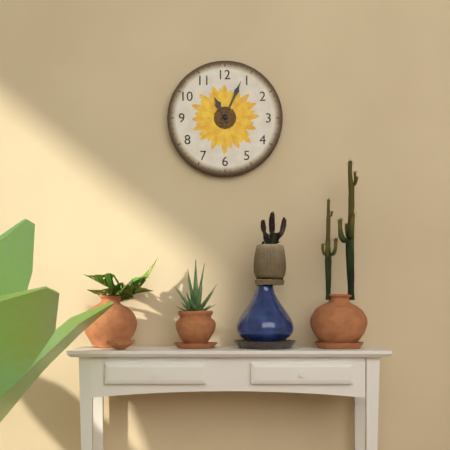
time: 11:04
